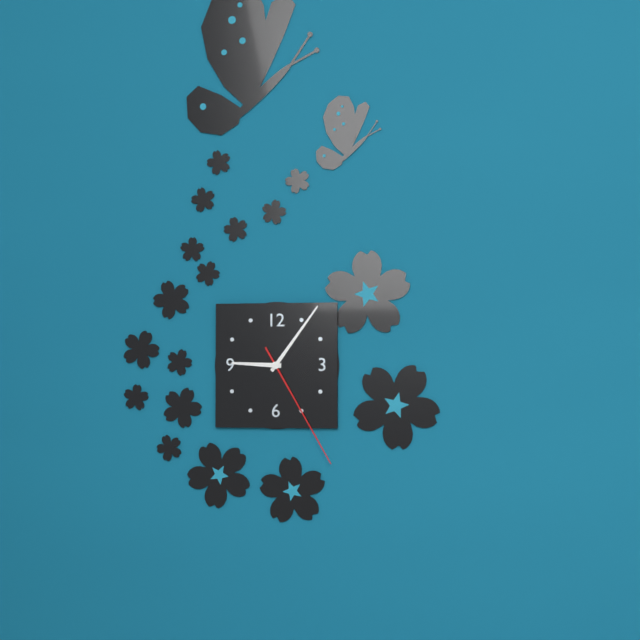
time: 9:06:25
